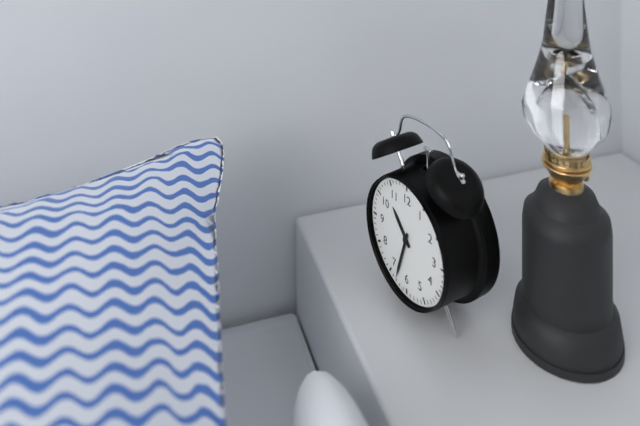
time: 10:33
